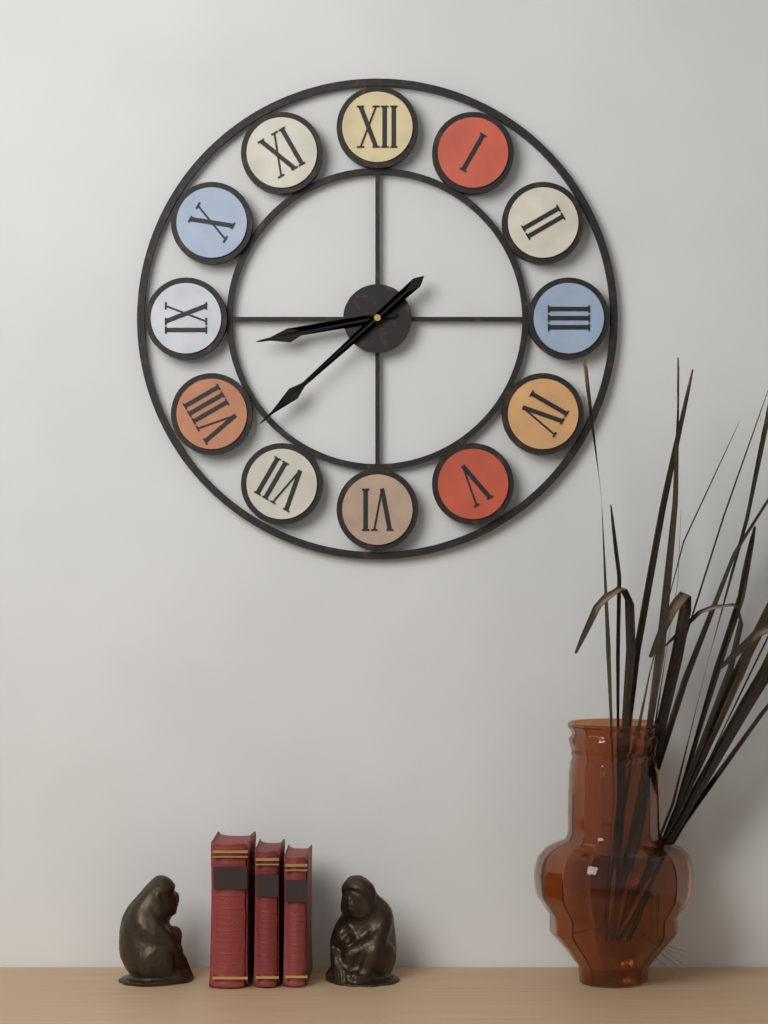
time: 8:38
